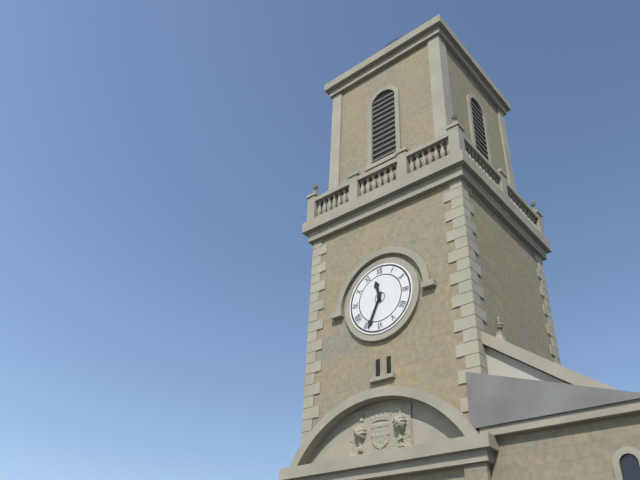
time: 11:34
